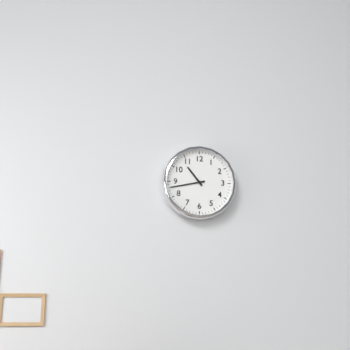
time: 10:43
